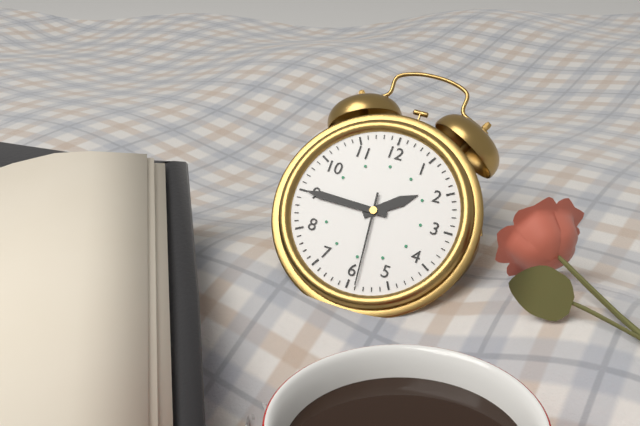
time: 1:45:29
